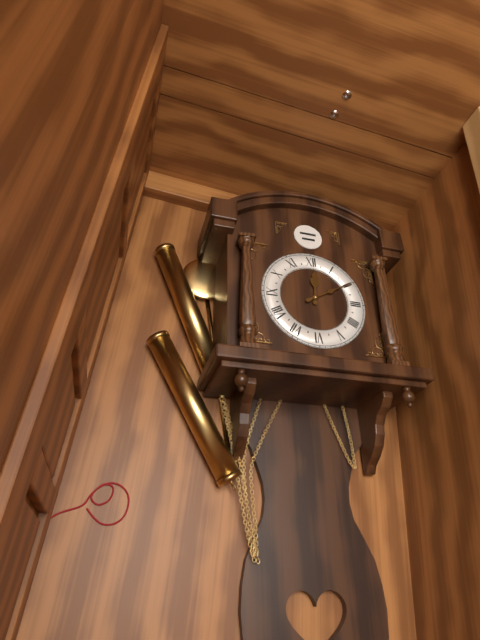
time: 12:10
